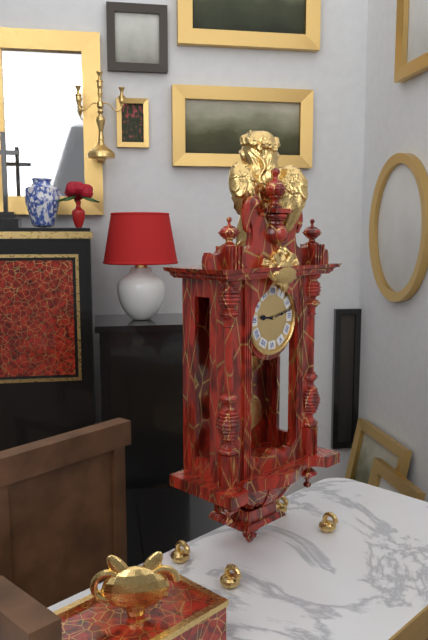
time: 9:13
